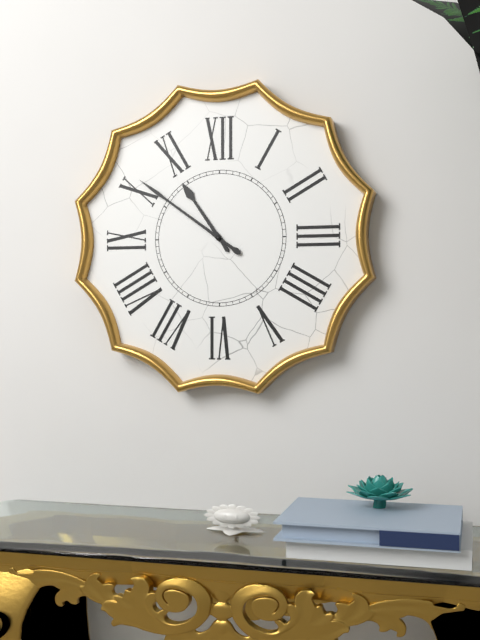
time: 10:51
